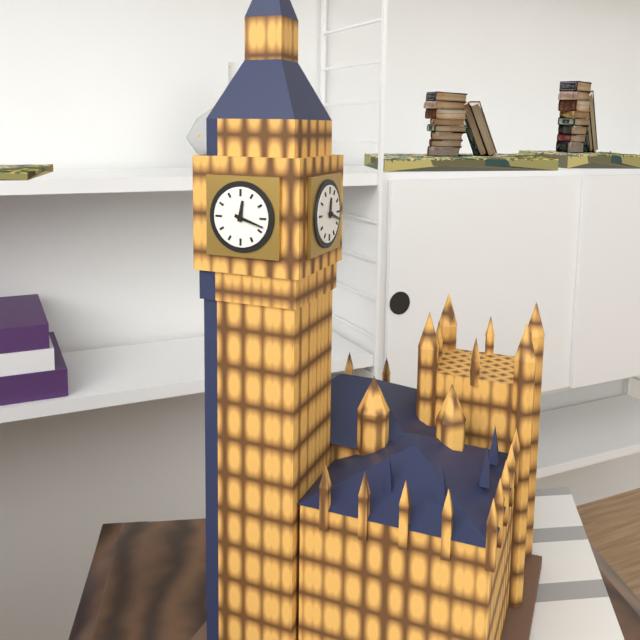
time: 12:18
